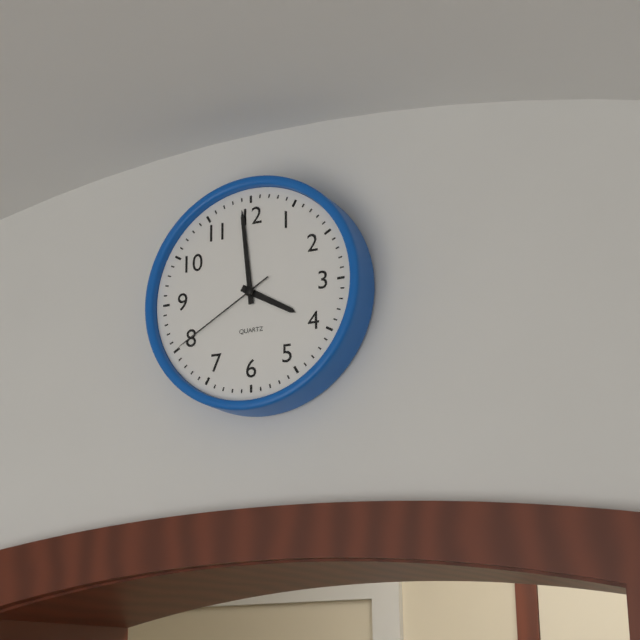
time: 3:59:40
